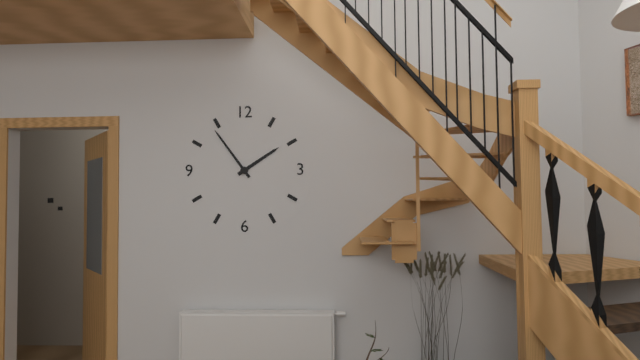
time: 1:54
